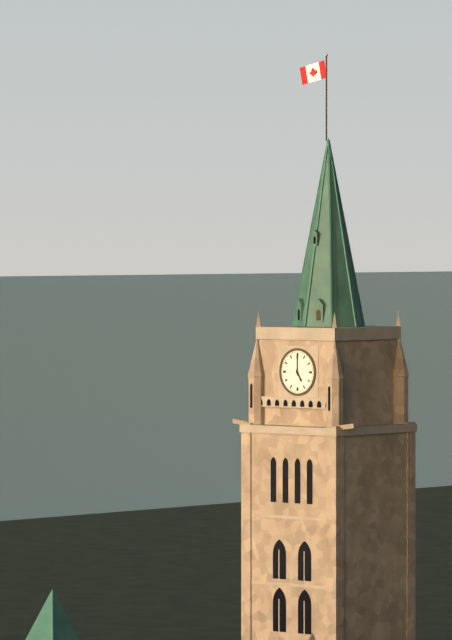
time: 5:00
